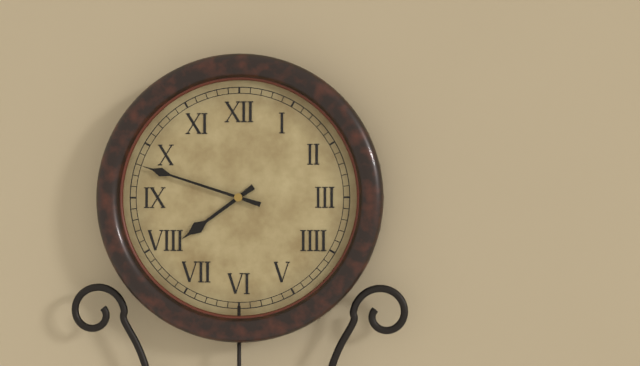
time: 7:48
